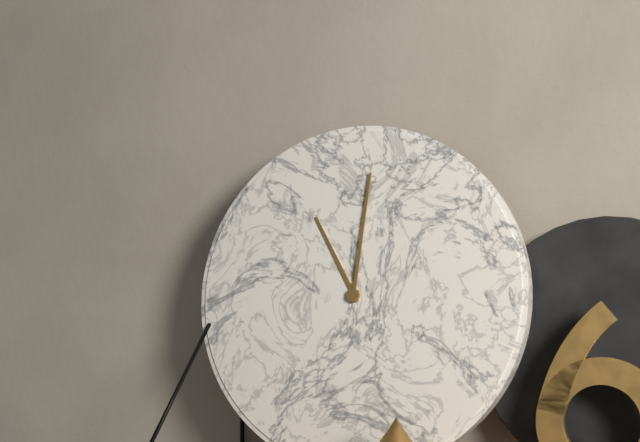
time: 11:01
